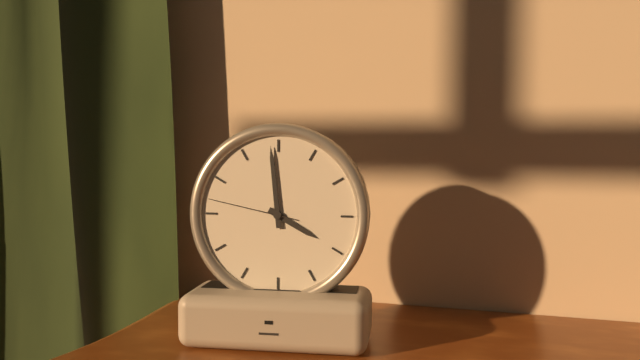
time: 3:59:47
